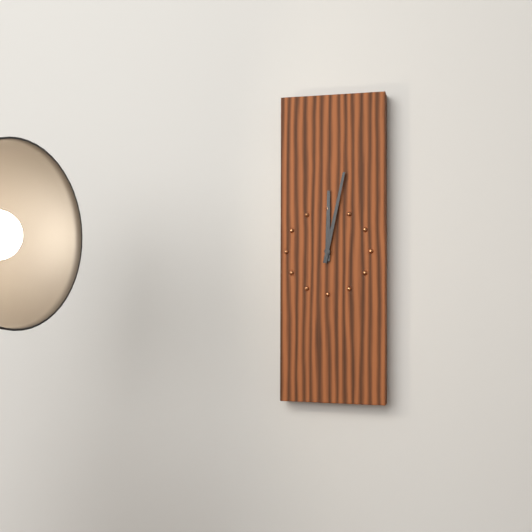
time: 12:02
